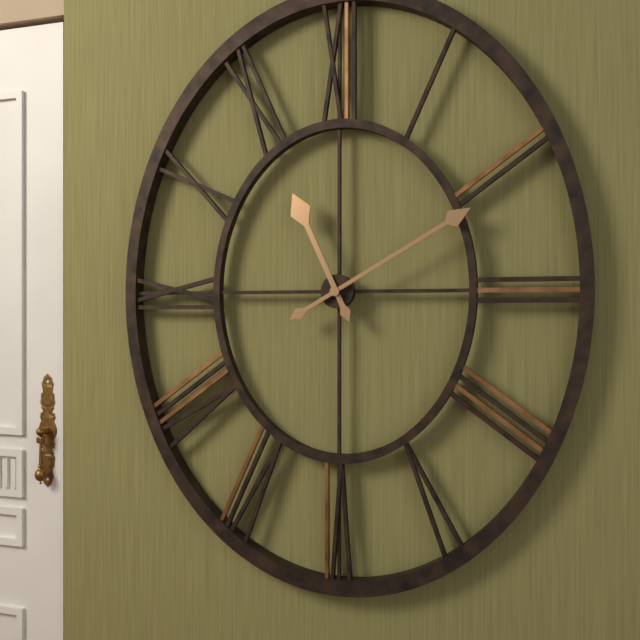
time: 11:10
